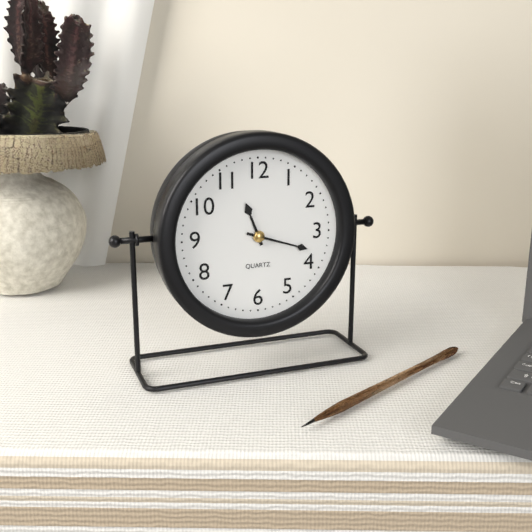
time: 11:18
